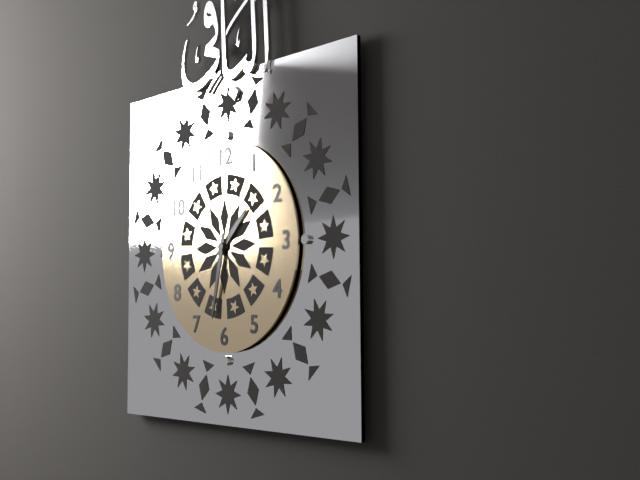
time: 1:32
